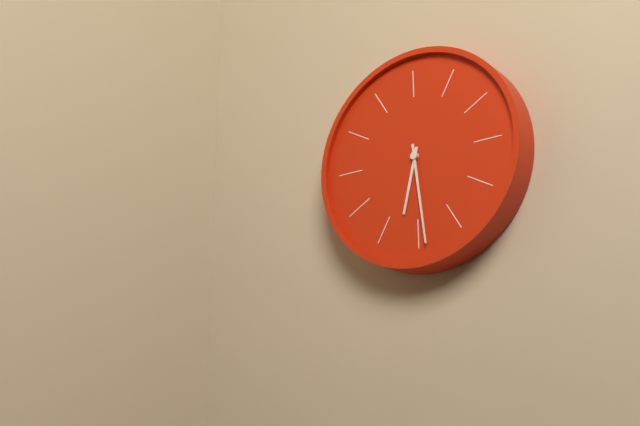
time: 6:29
